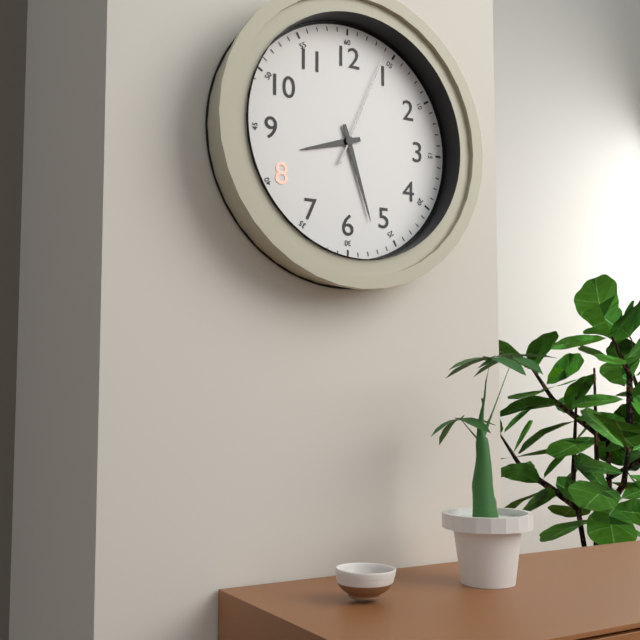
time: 8:27:04
